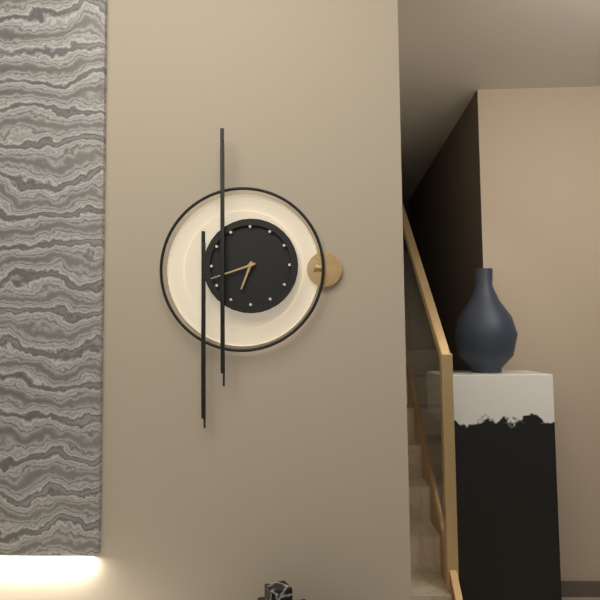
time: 6:42
